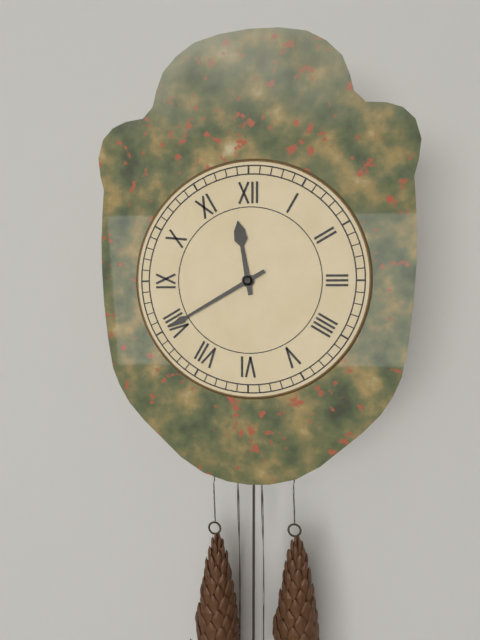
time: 11:40
